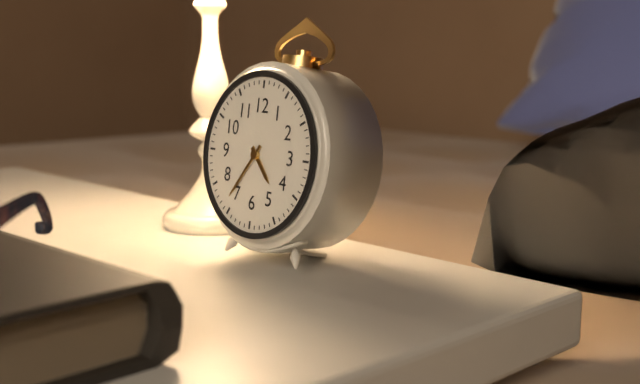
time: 4:36
